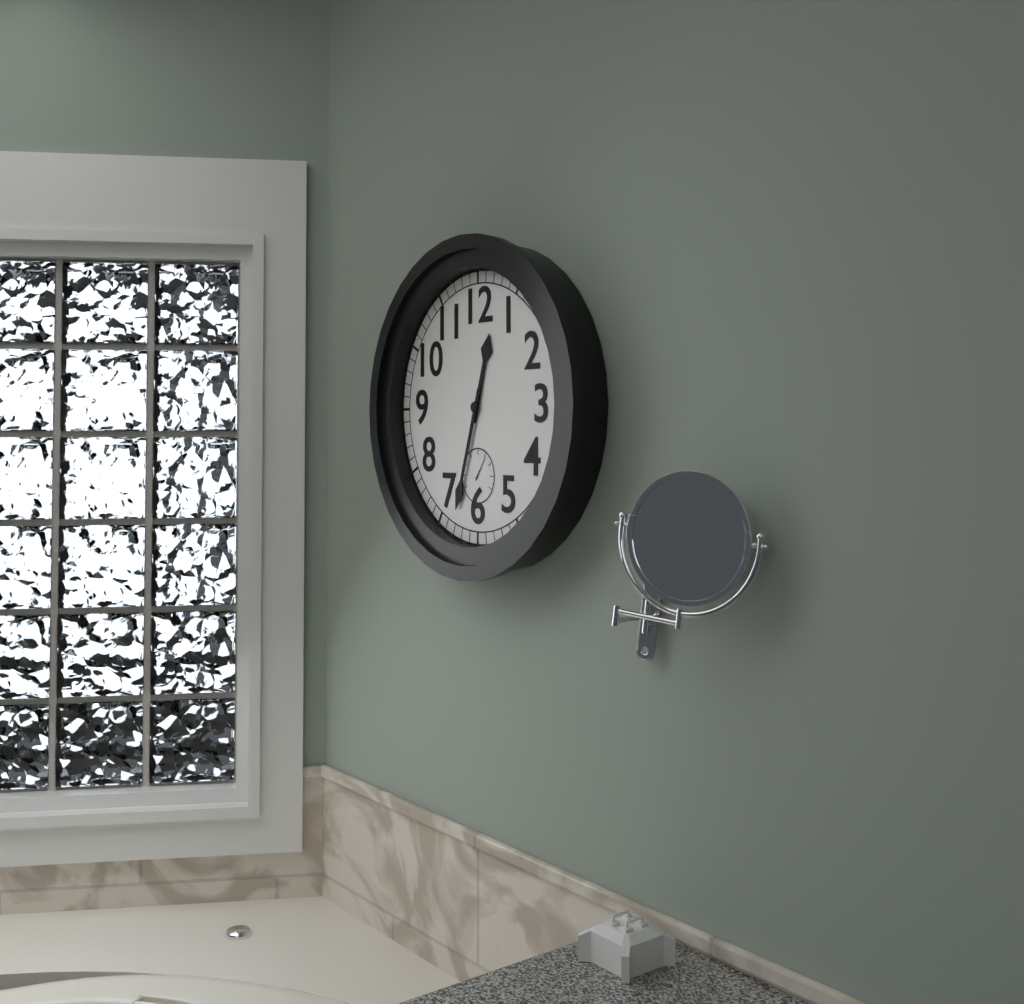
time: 12:33
